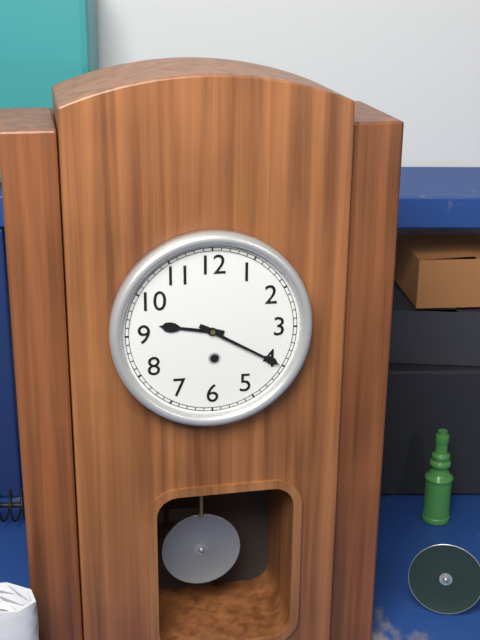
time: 9:20
